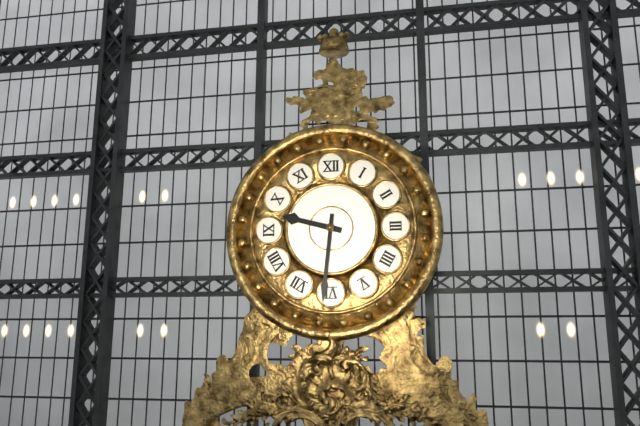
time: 9:31
